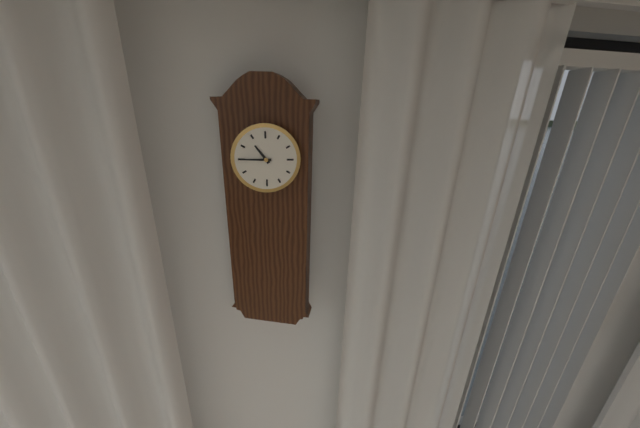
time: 10:45
